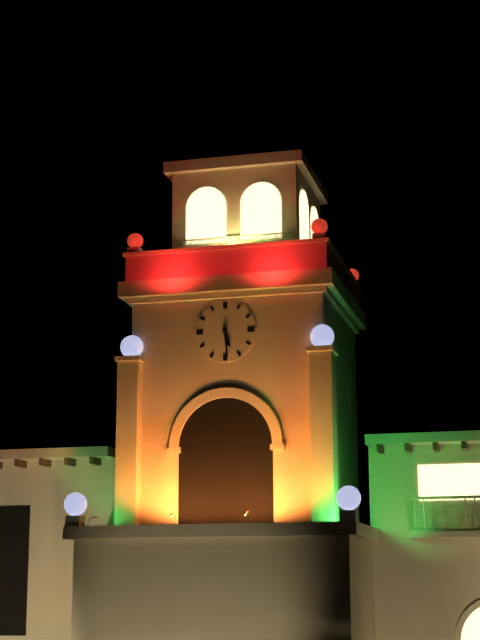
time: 5:29
